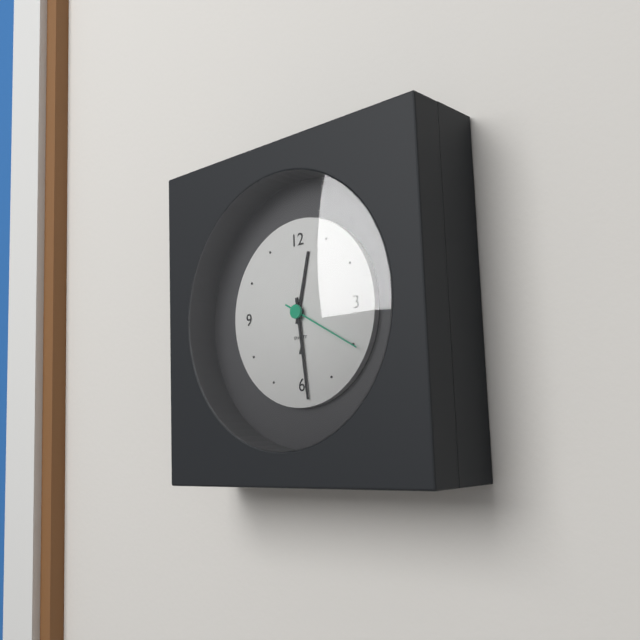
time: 12:29:20
